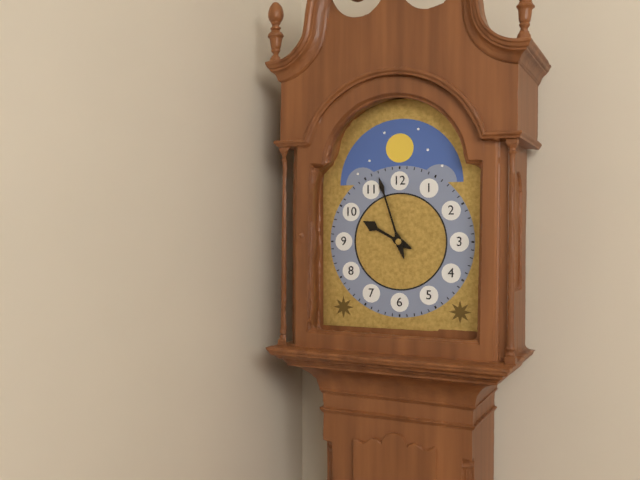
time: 9:57
